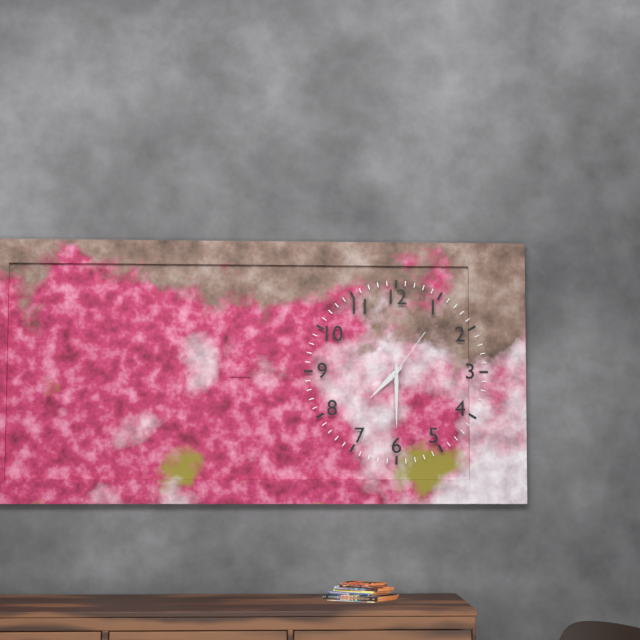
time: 7:30:06
